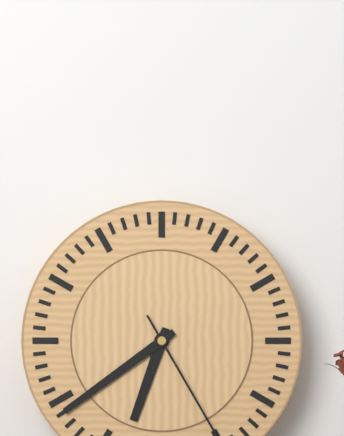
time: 6:39
